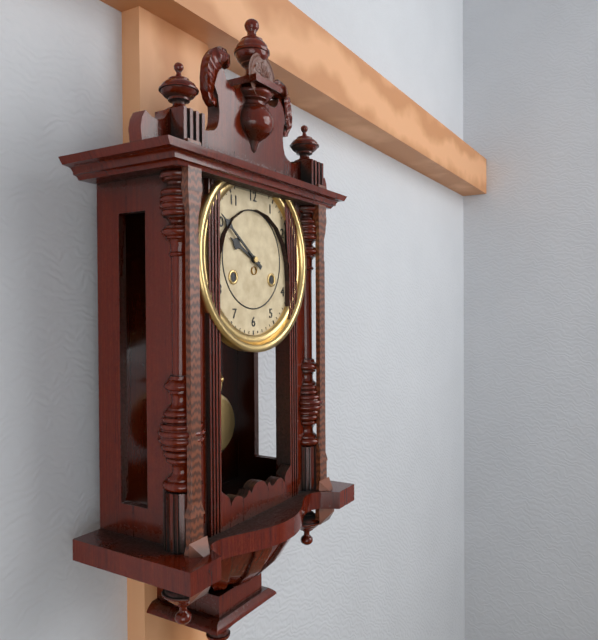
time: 9:51
